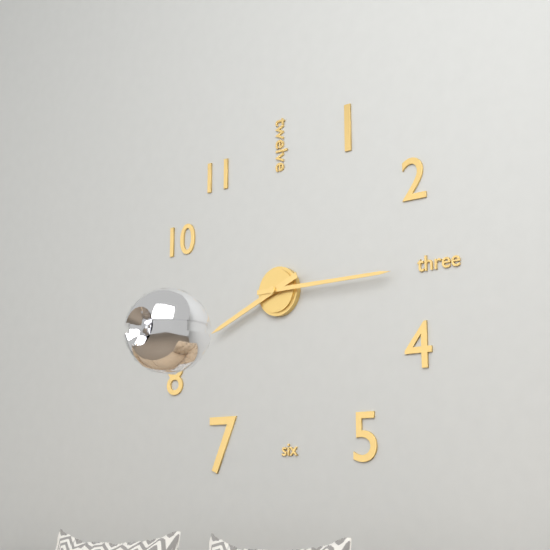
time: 8:15
